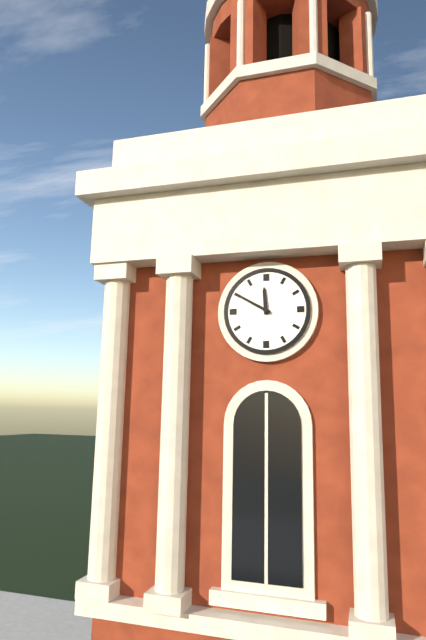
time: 11:50
